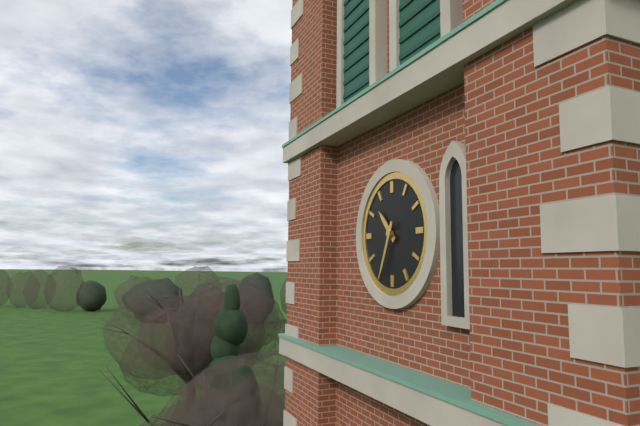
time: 10:34
